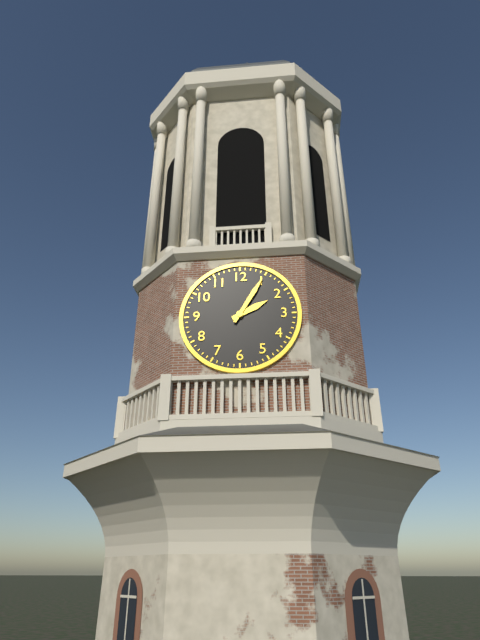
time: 2:05
